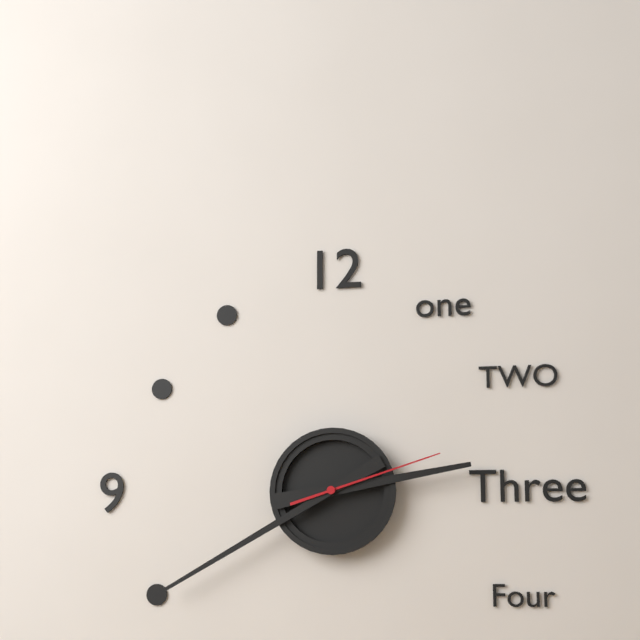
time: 2:40:12
